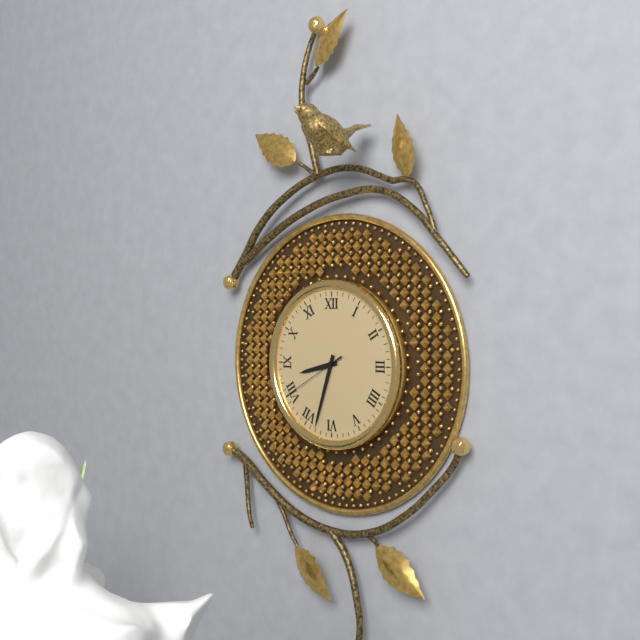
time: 8:33:40
